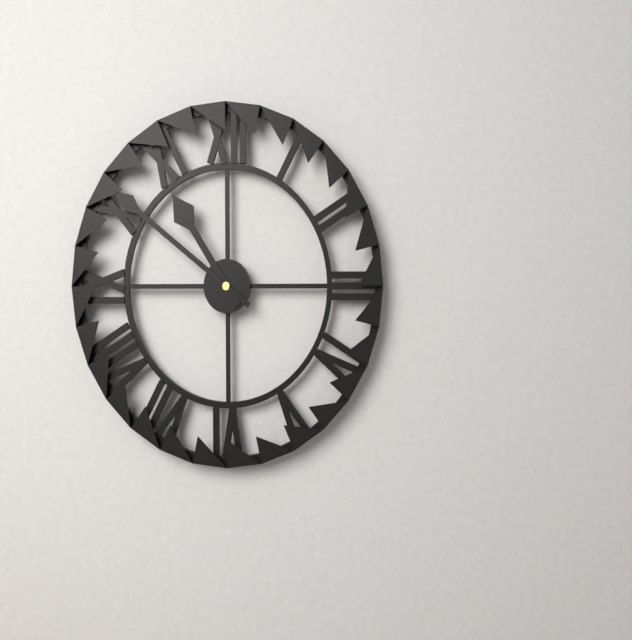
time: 10:51
